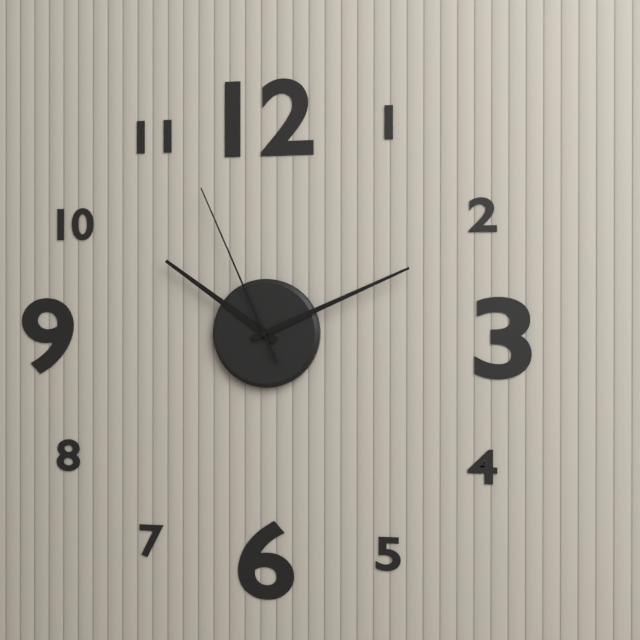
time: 10:11:56
